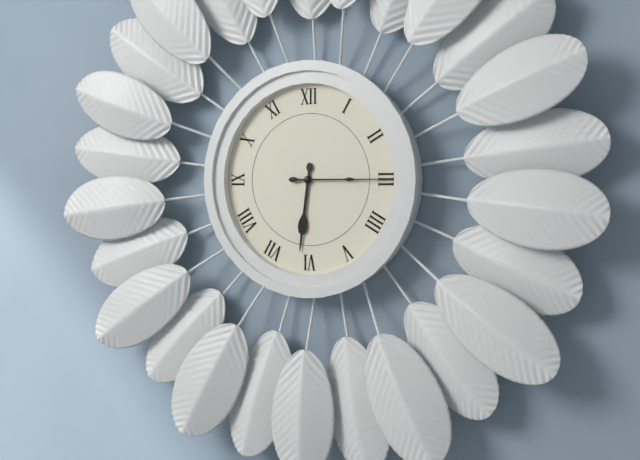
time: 6:15
